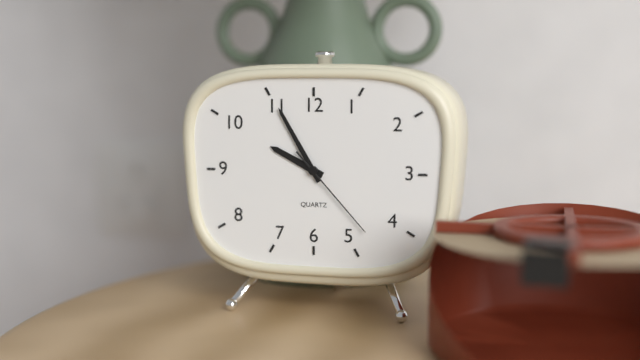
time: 9:55:23
